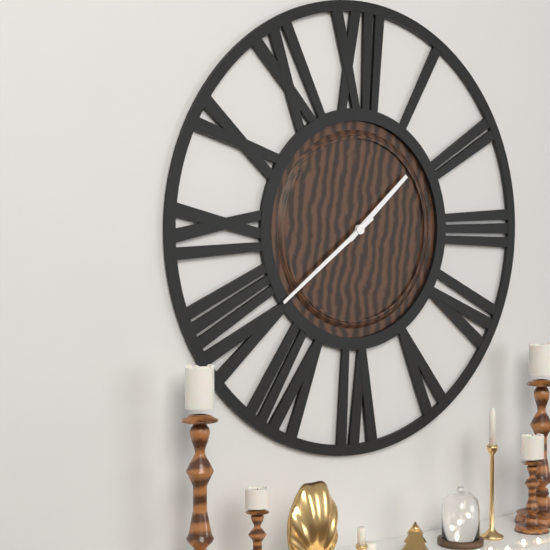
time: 1:39
